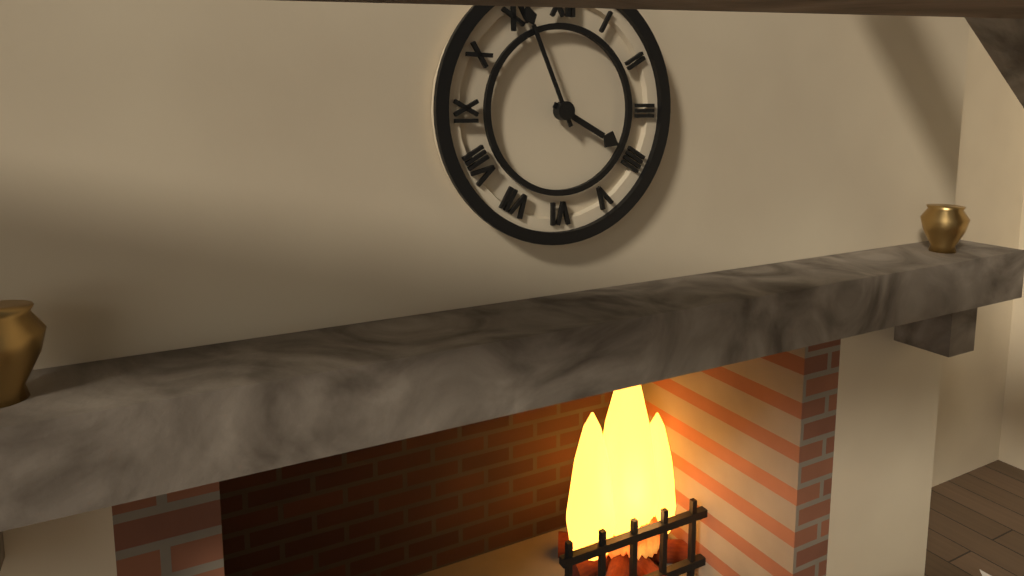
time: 3:56
